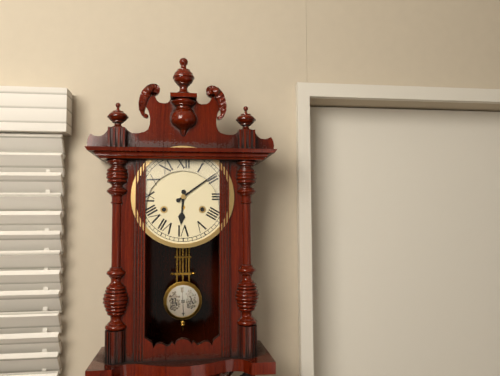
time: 6:09
